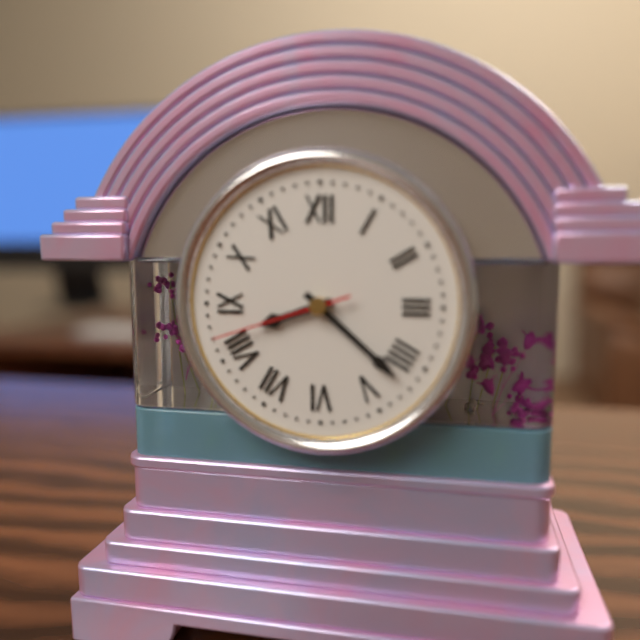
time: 8:22:42
